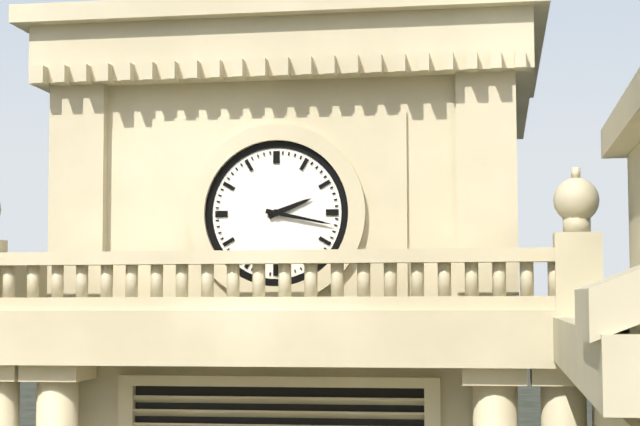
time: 2:17
